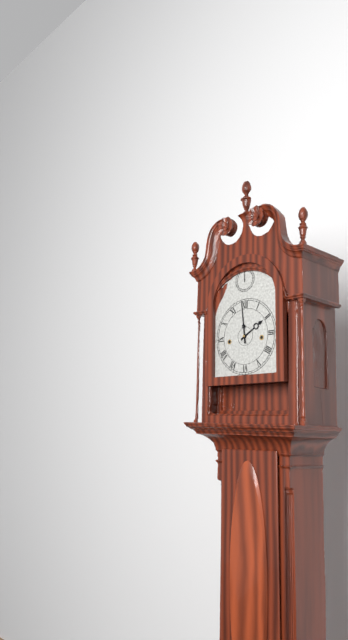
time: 1:59
